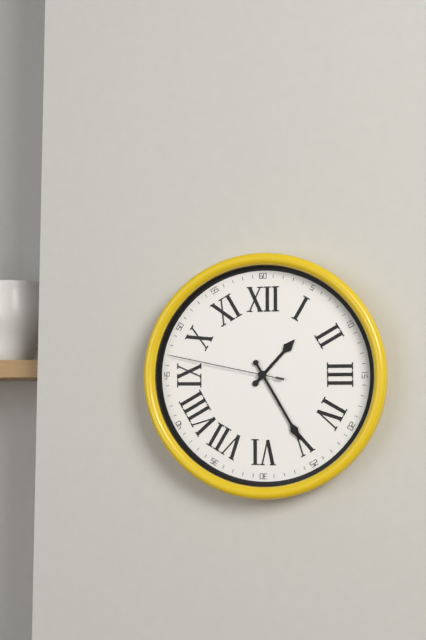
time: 1:25:47
